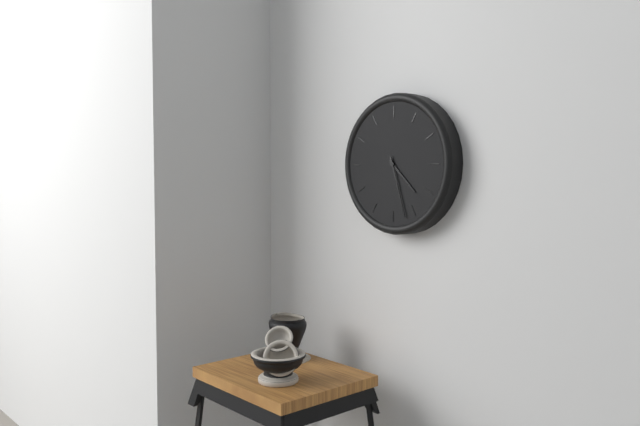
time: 4:27
